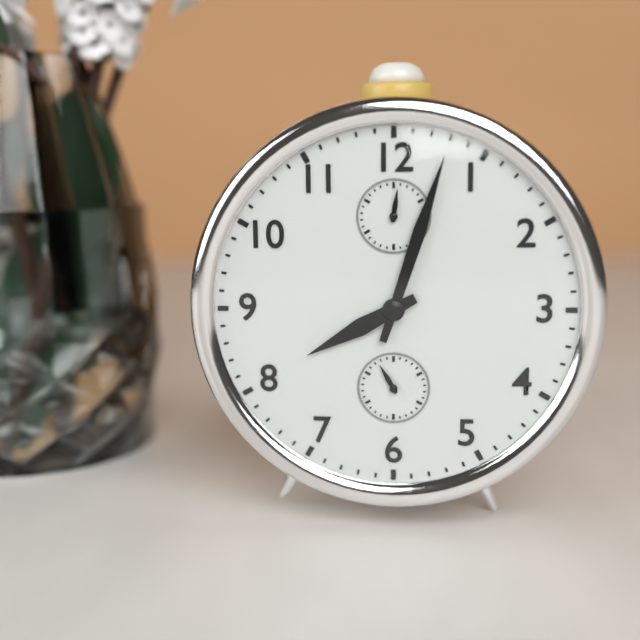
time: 8:03
